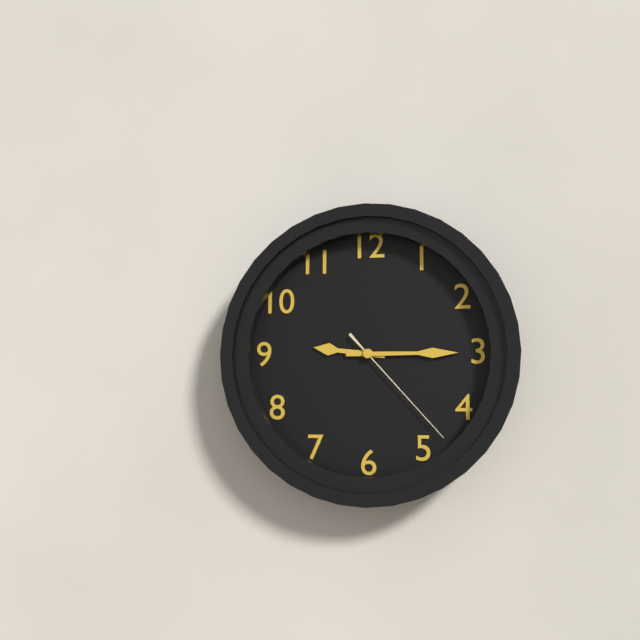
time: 9:15:23
